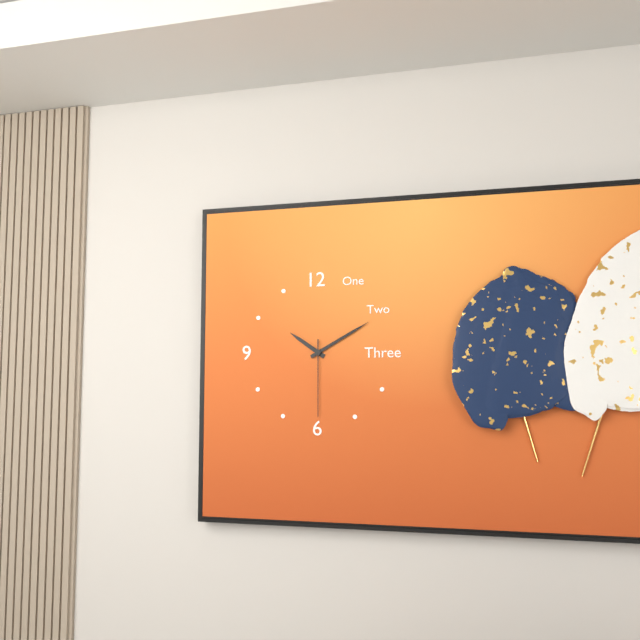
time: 10:10:30
